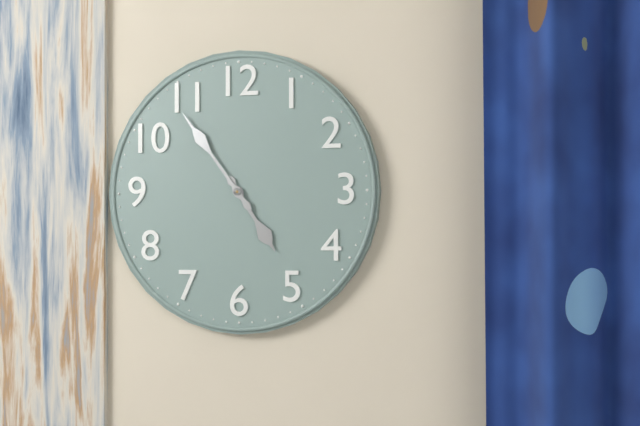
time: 4:54
